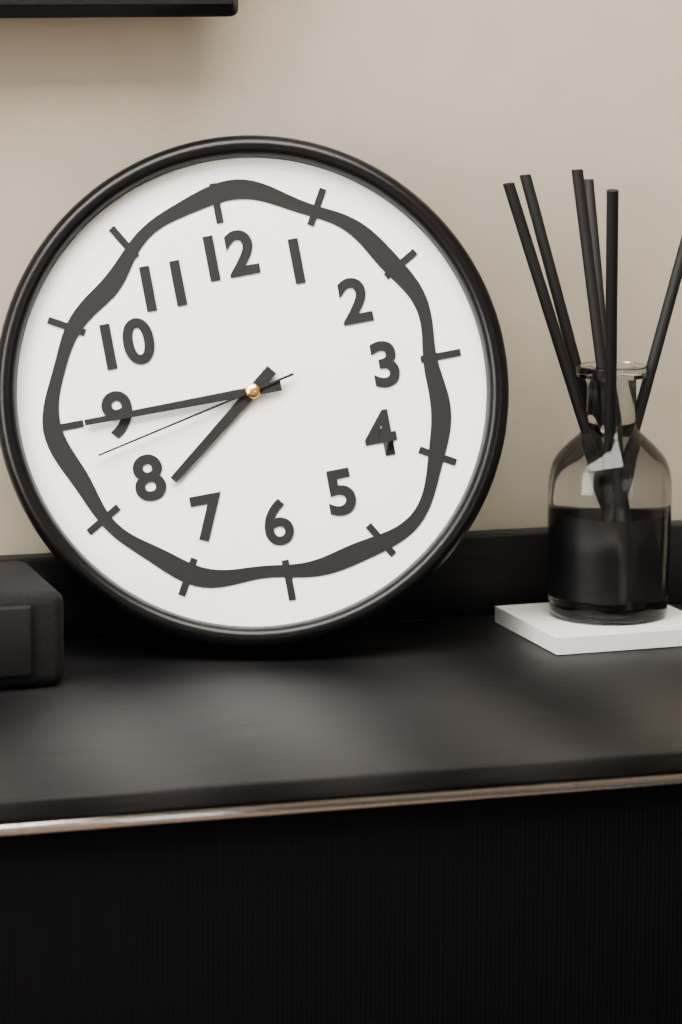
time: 7:45:43
